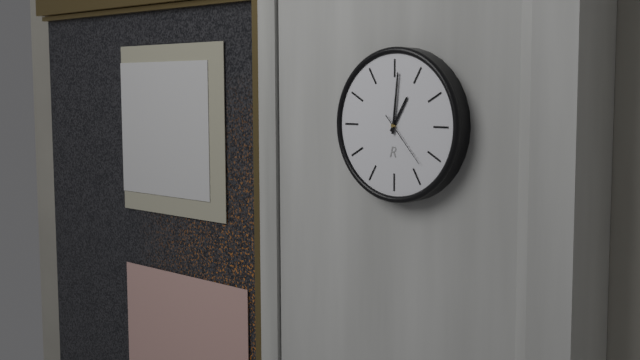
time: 1:01:23
